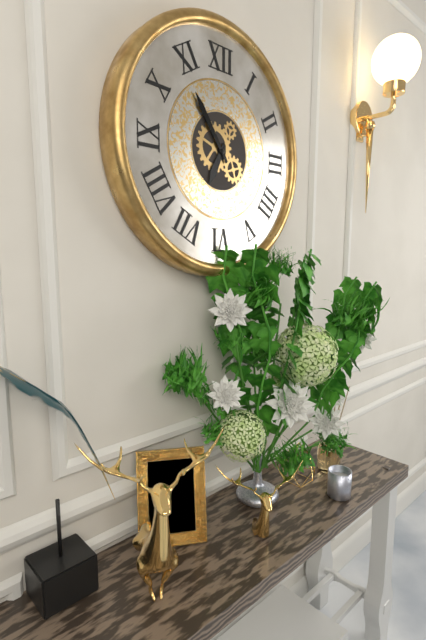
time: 6:54
